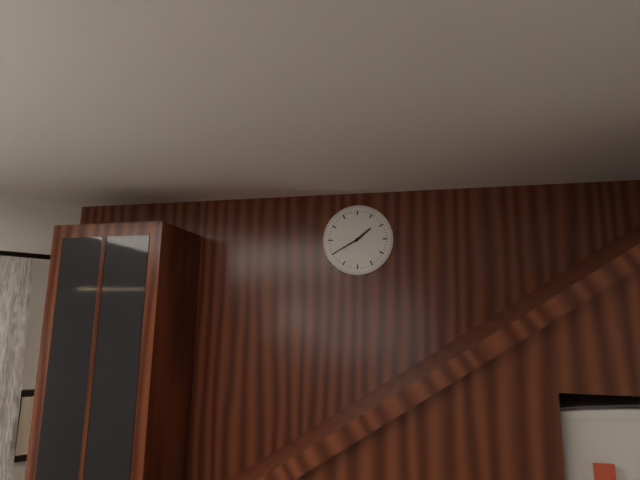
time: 1:40
